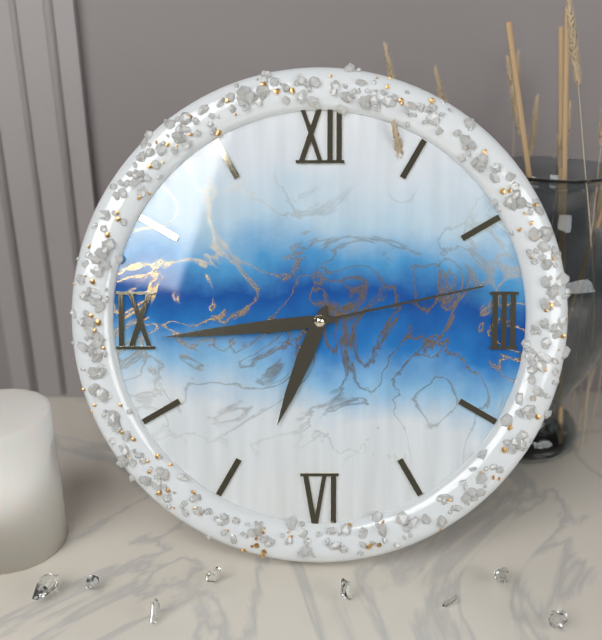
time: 6:44:13
